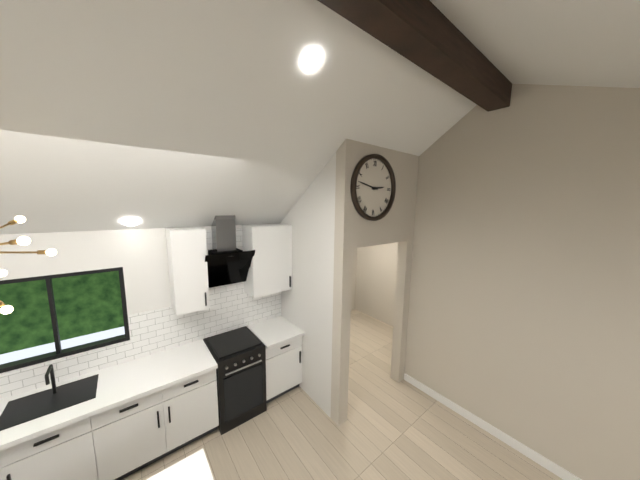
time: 2:47
